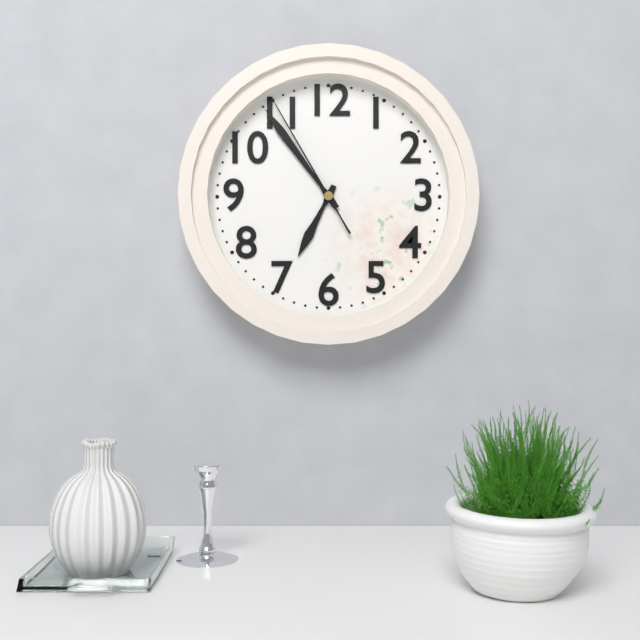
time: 6:54:55
